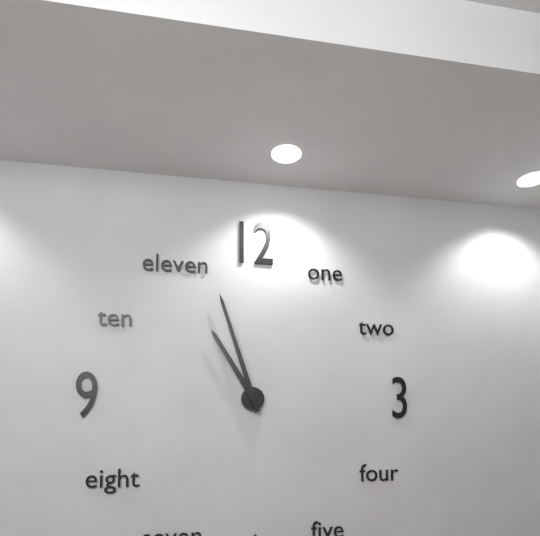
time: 10:57
